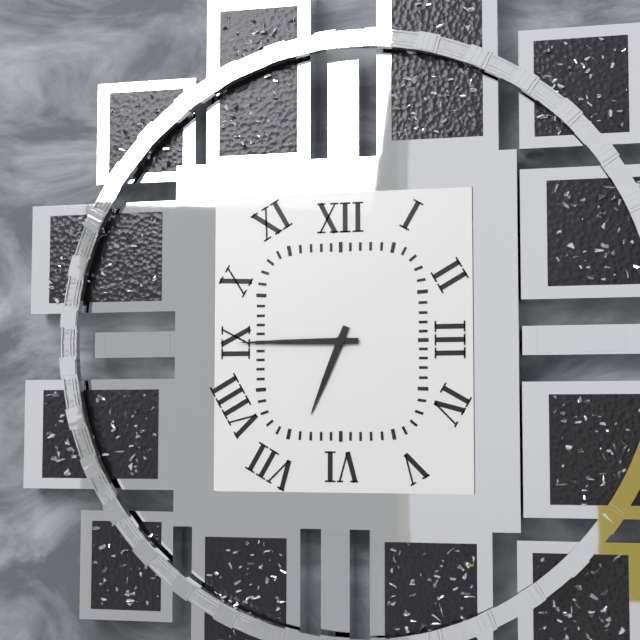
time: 6:45
